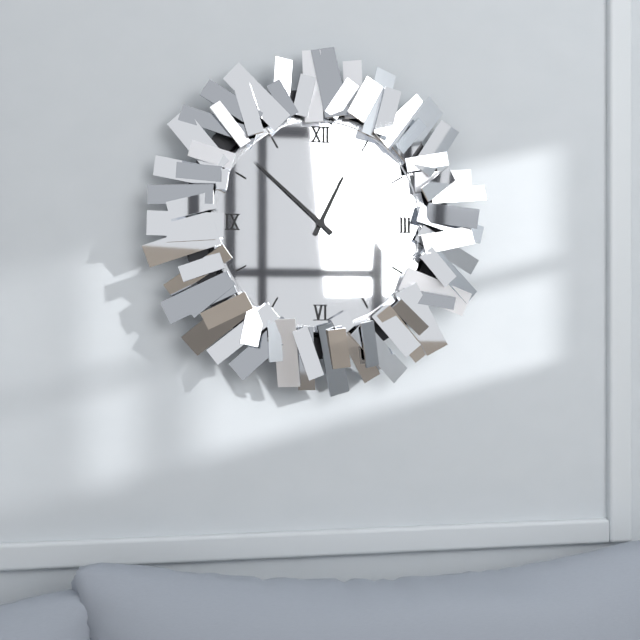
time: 12:52
